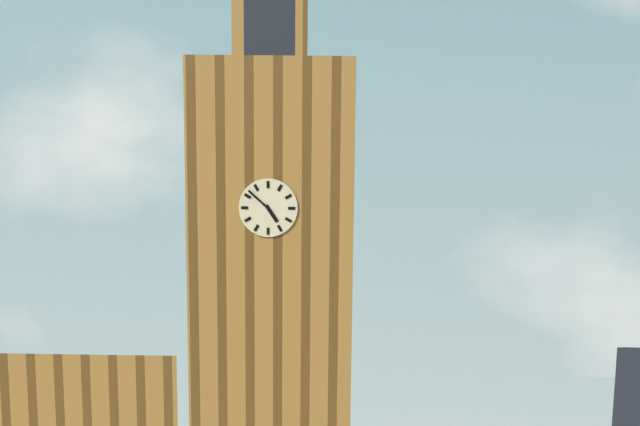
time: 4:52
